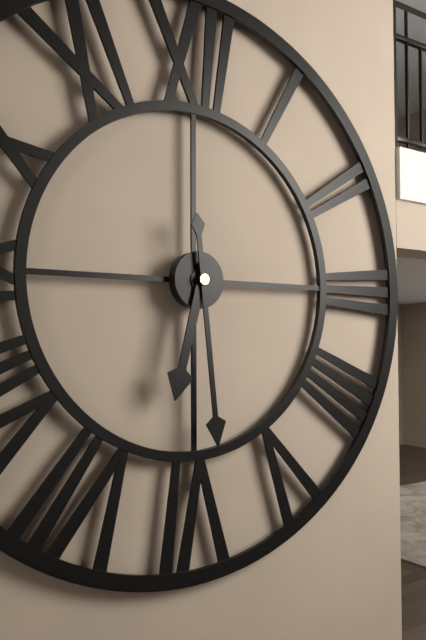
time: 6:29
